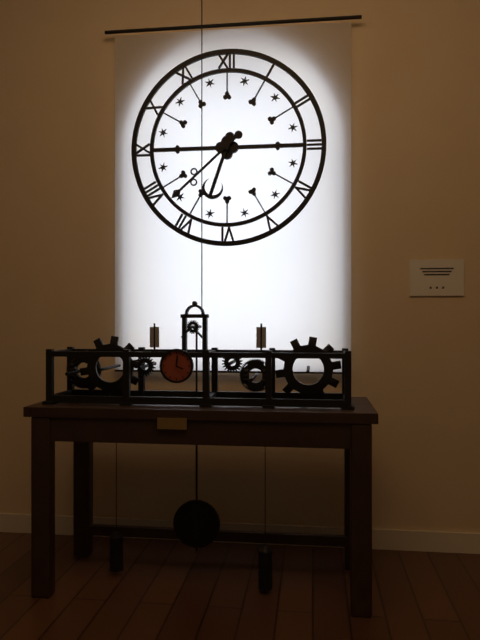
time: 6:38
